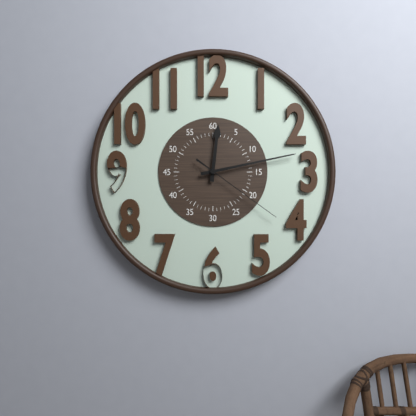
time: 12:13:21
